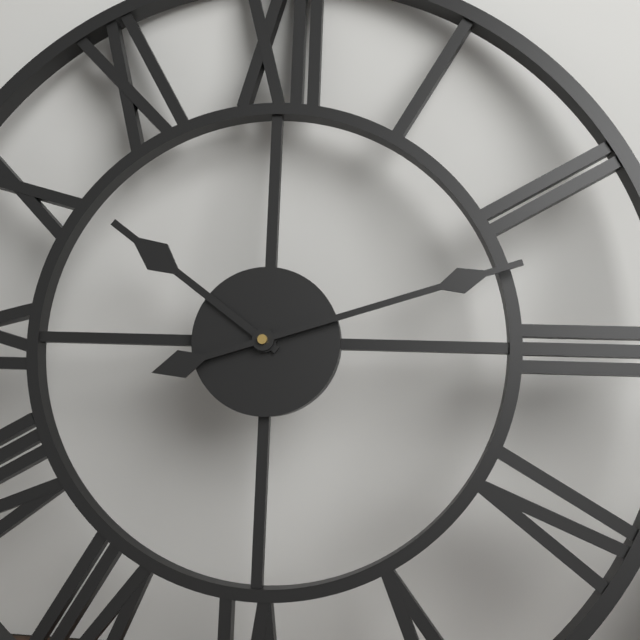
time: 10:12
